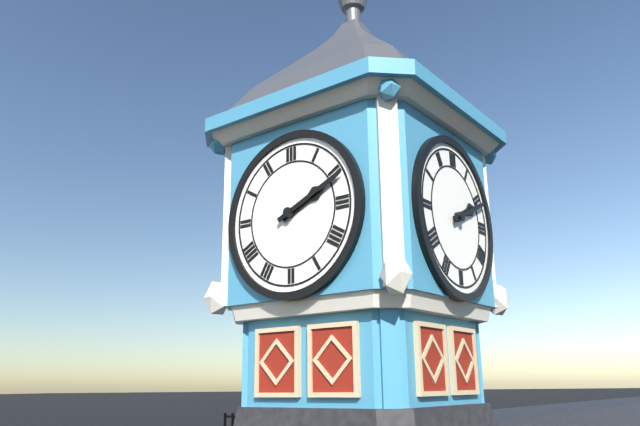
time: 2:11
